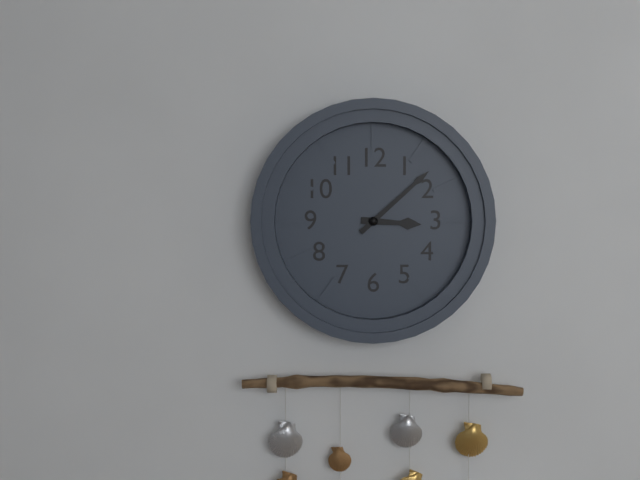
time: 3:08
